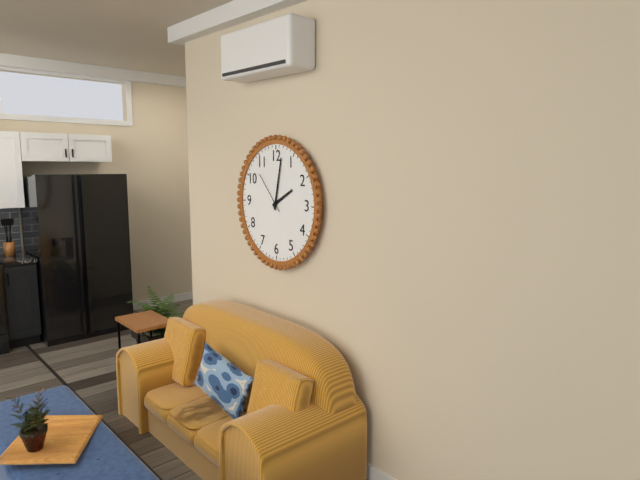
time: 2:02
